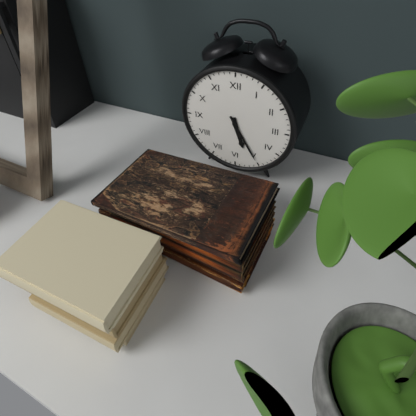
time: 5:25
